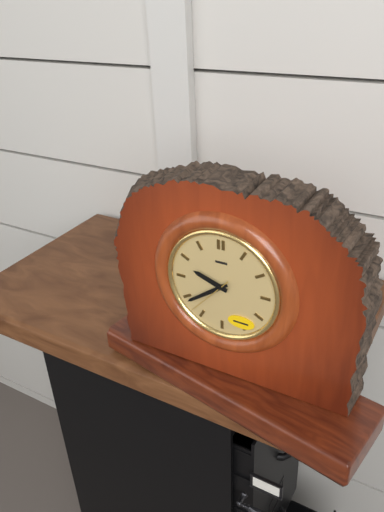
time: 9:39:37
